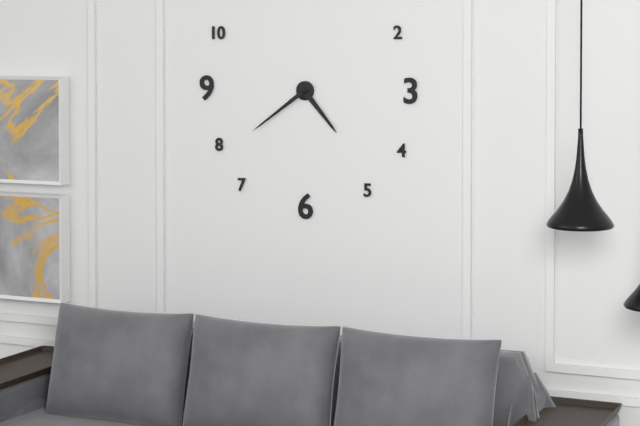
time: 4:39
